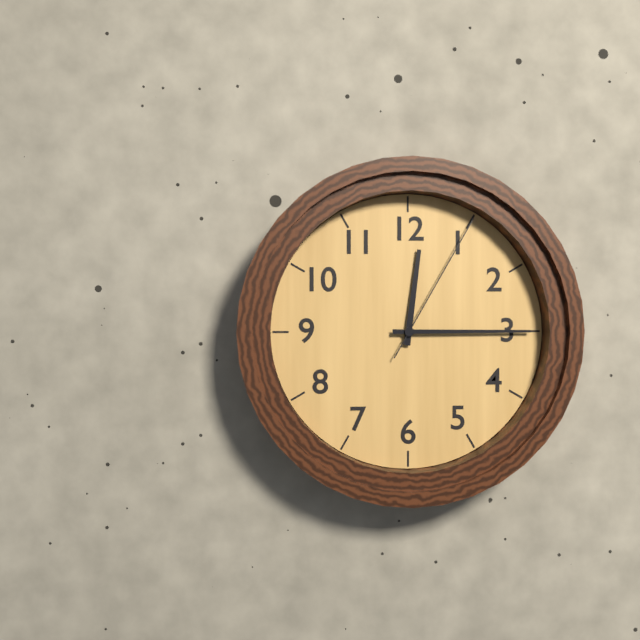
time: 12:15:05
